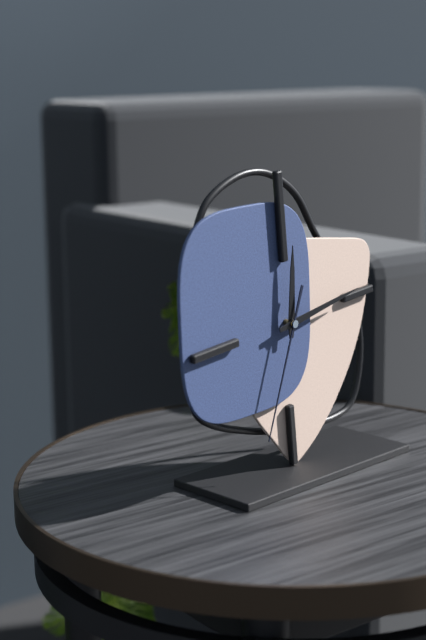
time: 12:14:34
